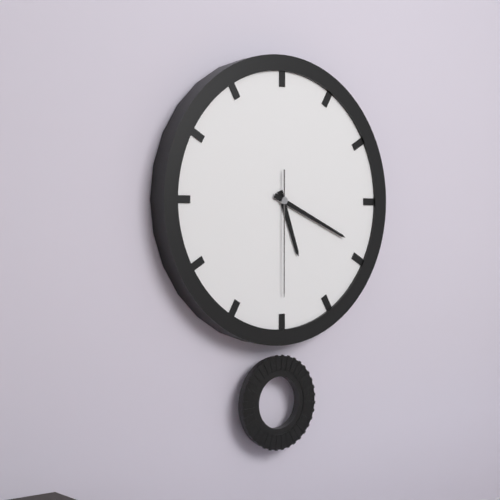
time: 5:19:30
